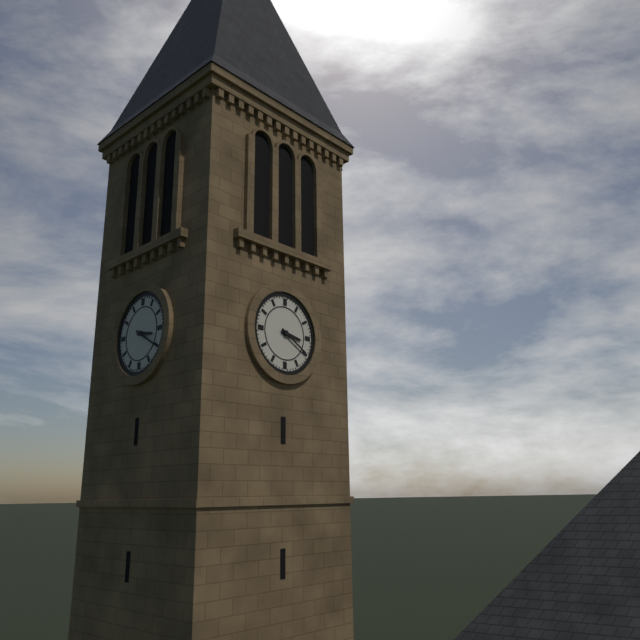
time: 3:20
